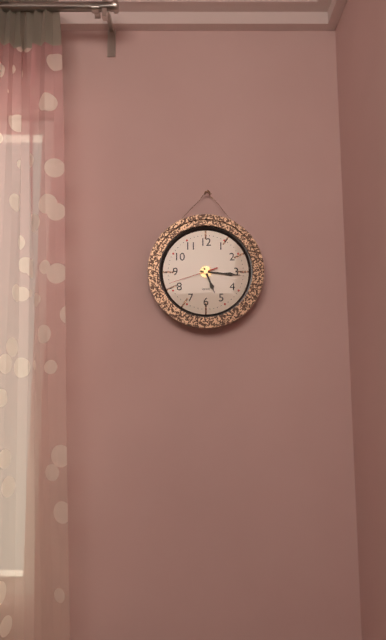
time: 5:16
